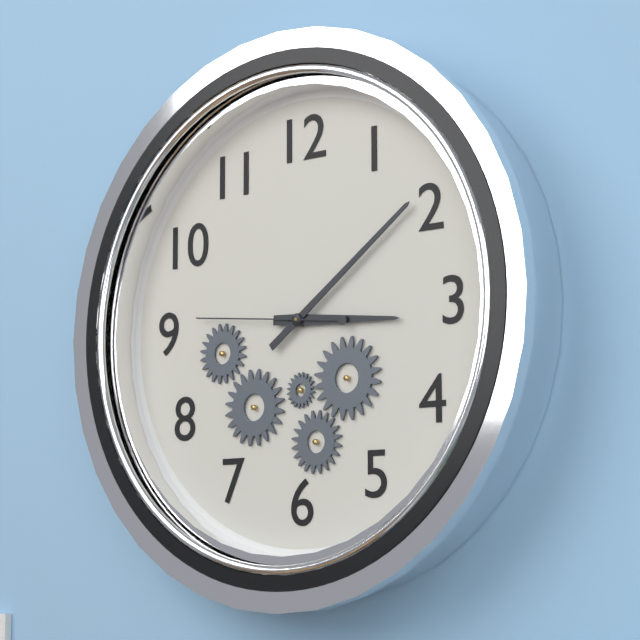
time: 3:09:46
